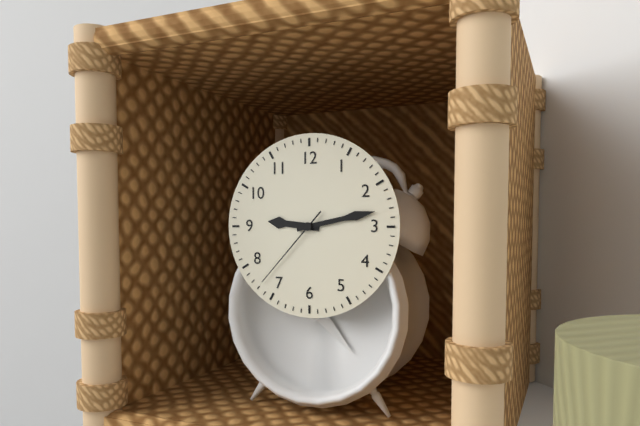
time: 9:13:37
